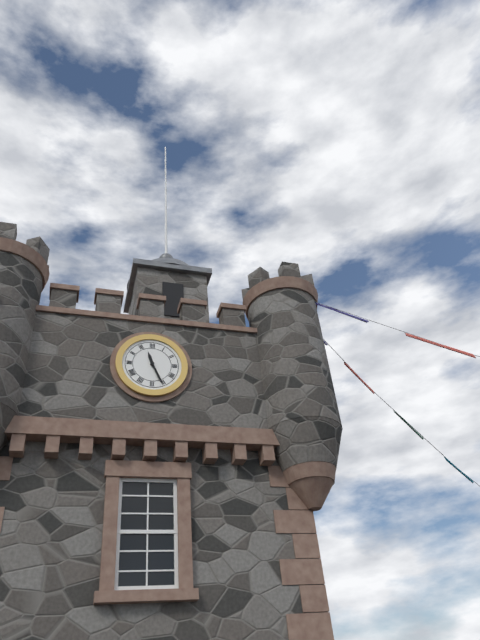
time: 11:26
